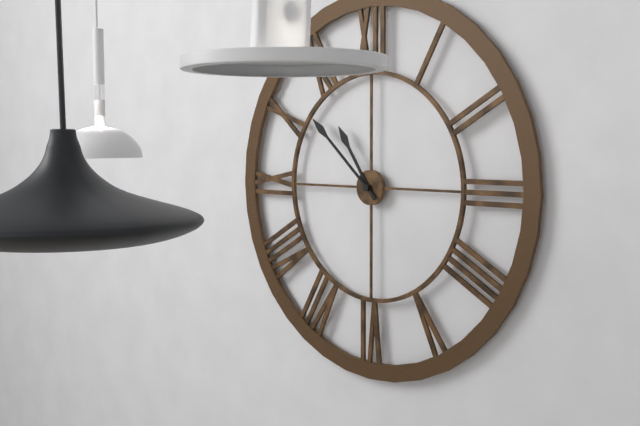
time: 10:52
